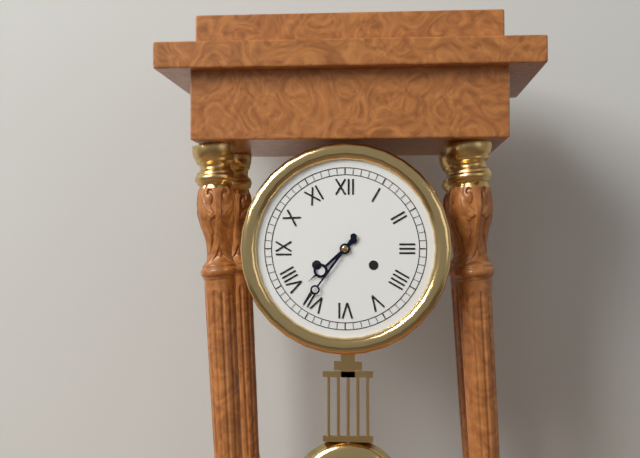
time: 7:36
